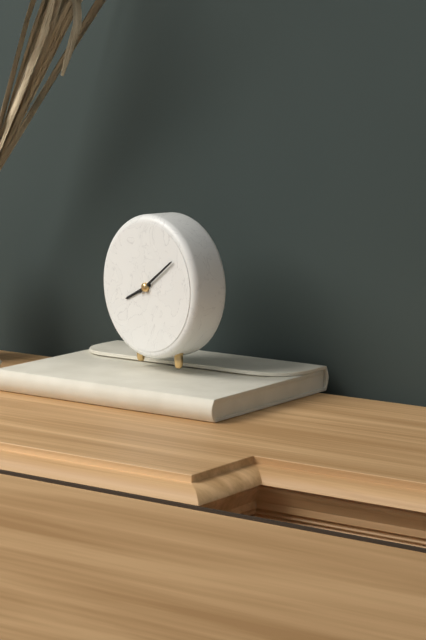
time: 8:09
